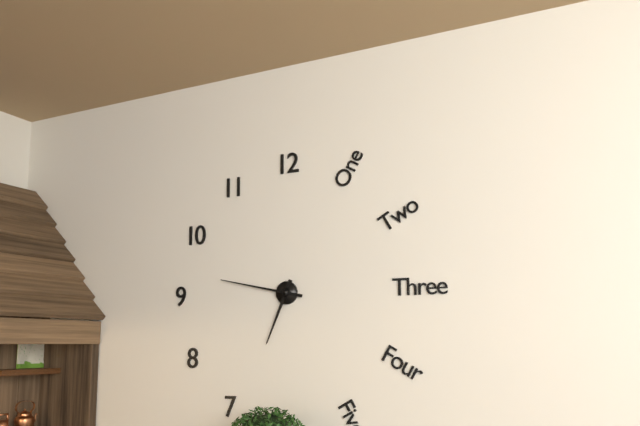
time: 6:47
